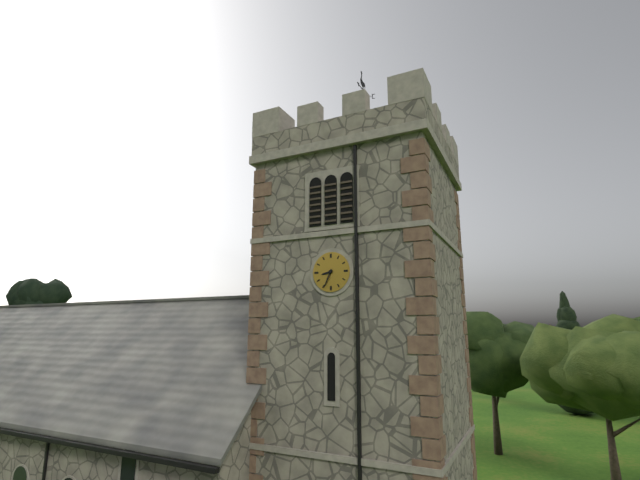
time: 8:34
